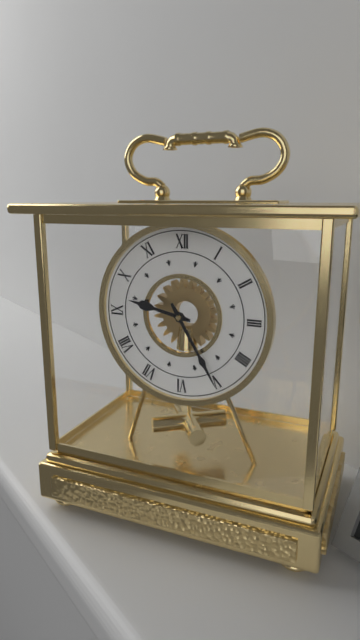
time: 9:25
